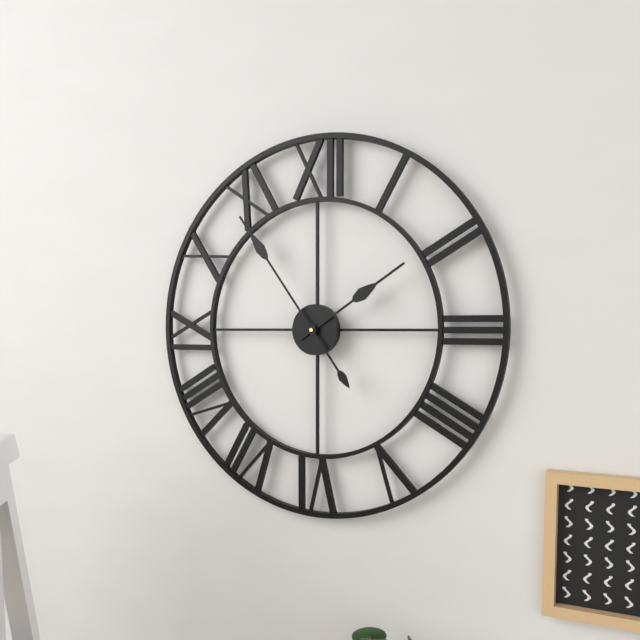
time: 1:54
